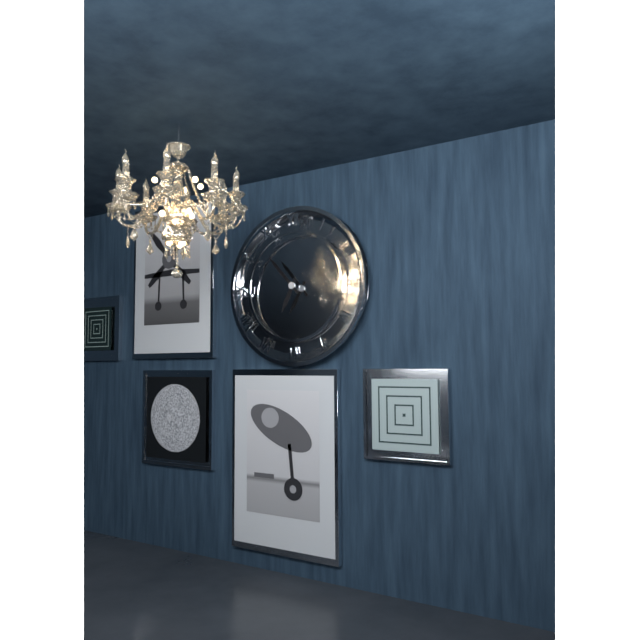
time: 6:53
